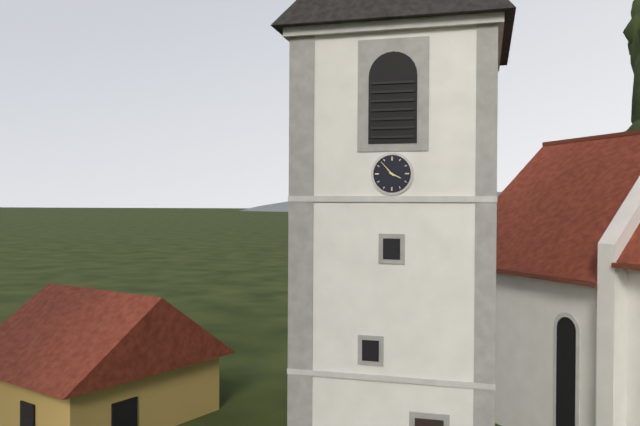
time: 3:53
